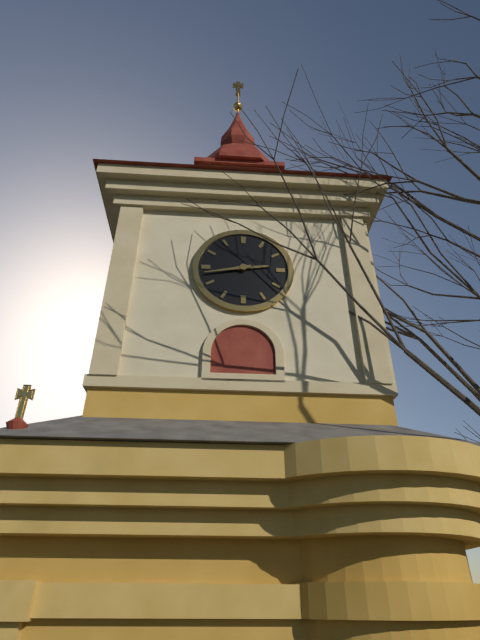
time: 2:43
